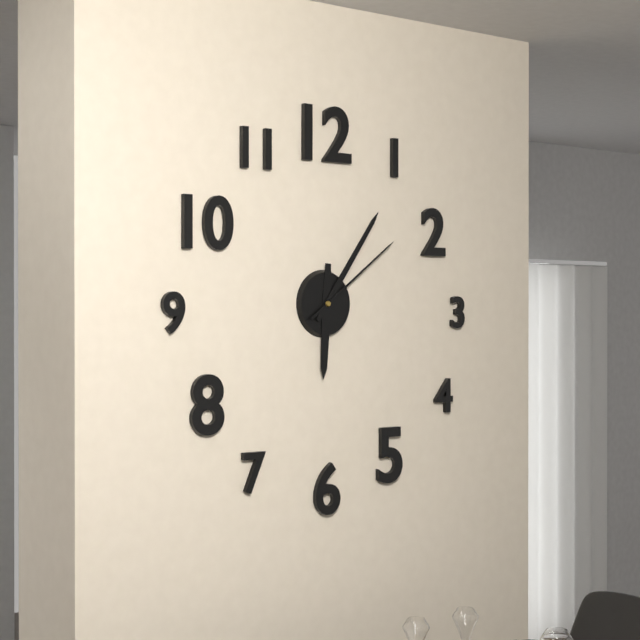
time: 6:06:09
